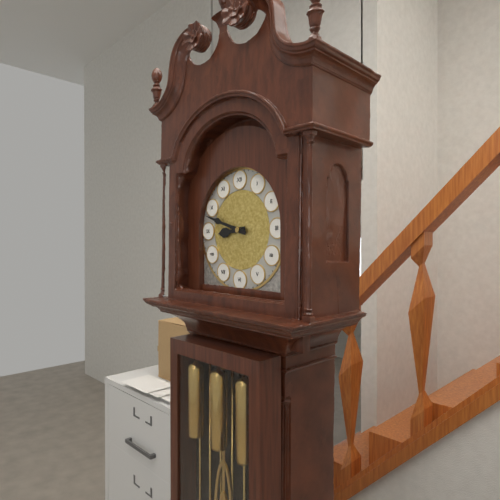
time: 8:48
